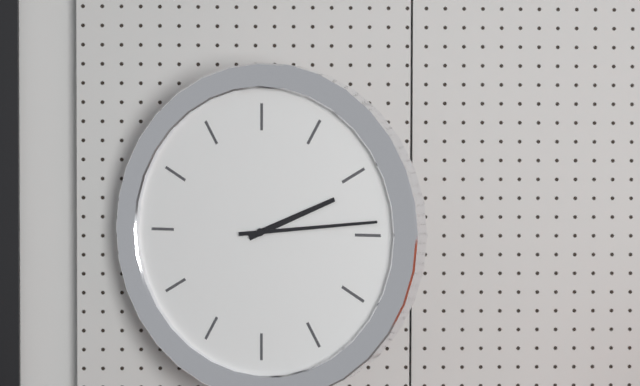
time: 2:14
